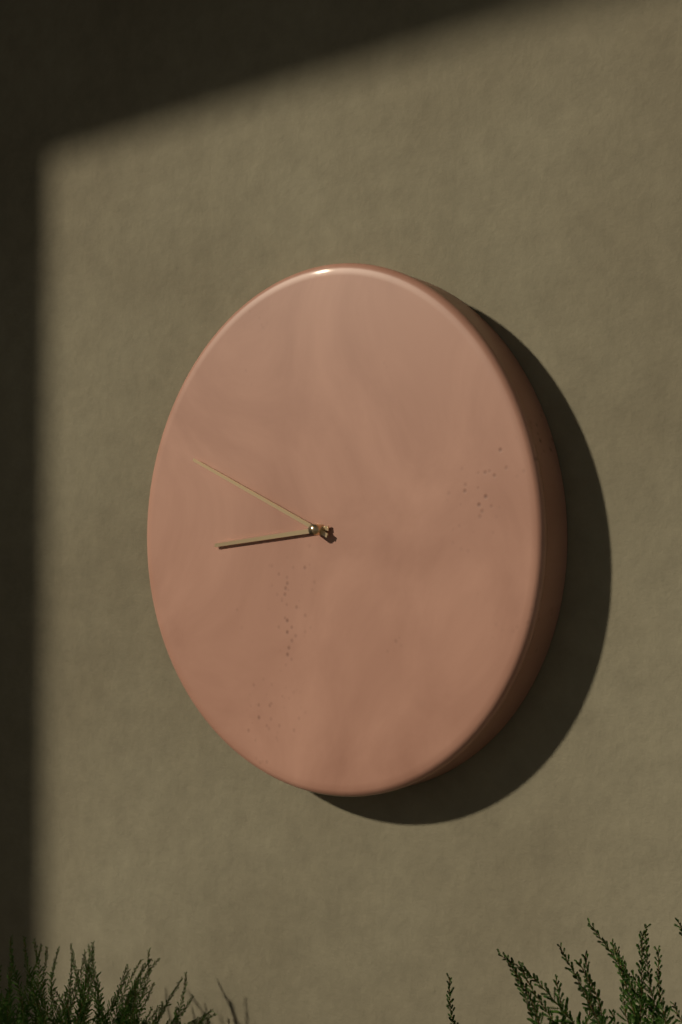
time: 8:49
